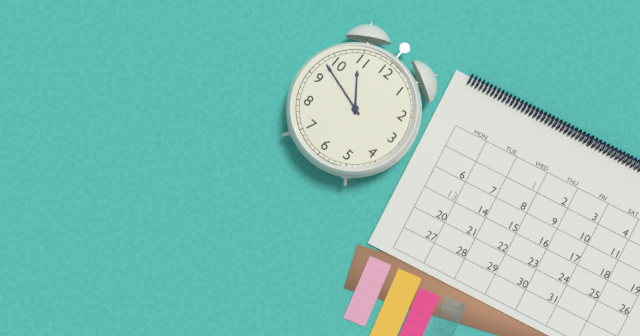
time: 10:48
